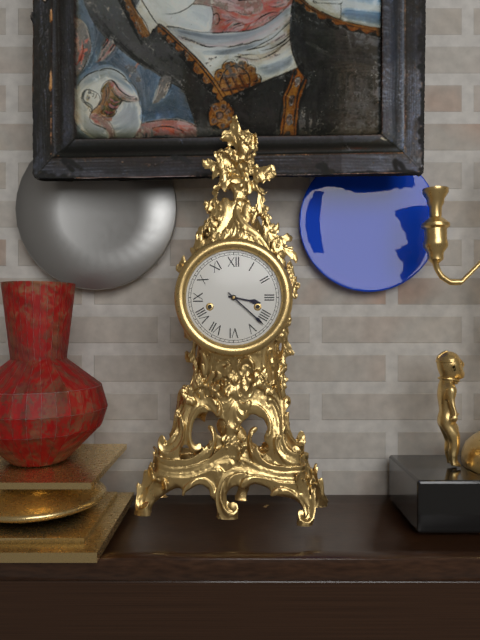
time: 3:22
